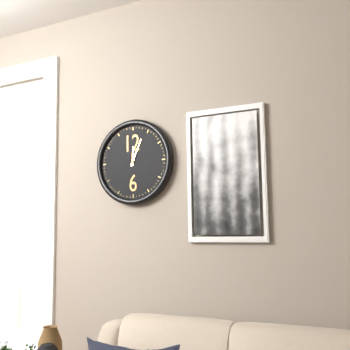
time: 12:04
